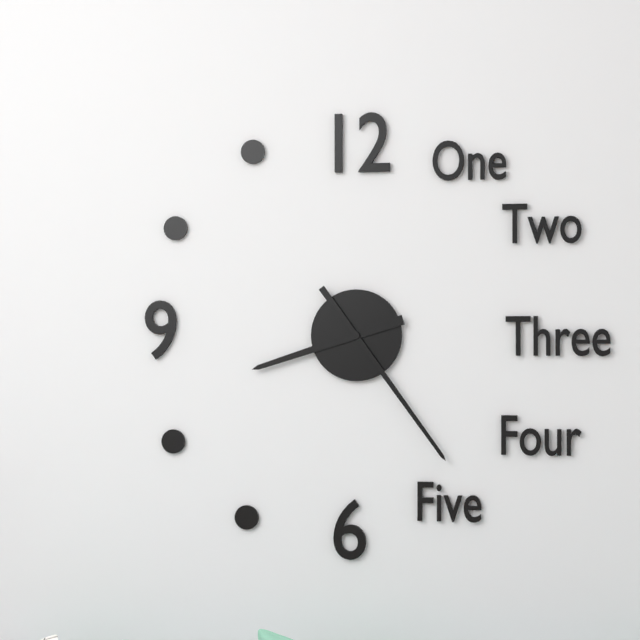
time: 8:24
